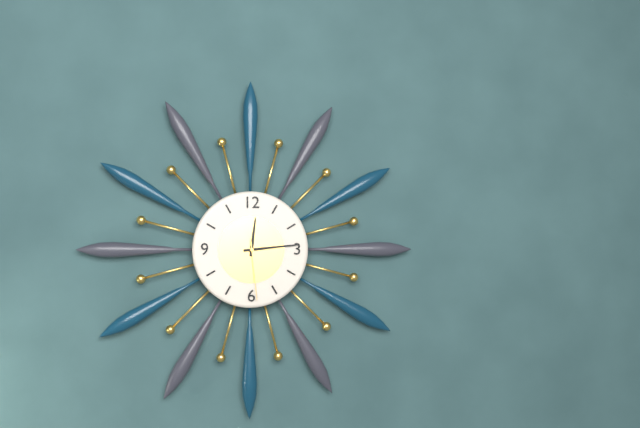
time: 12:14:29
